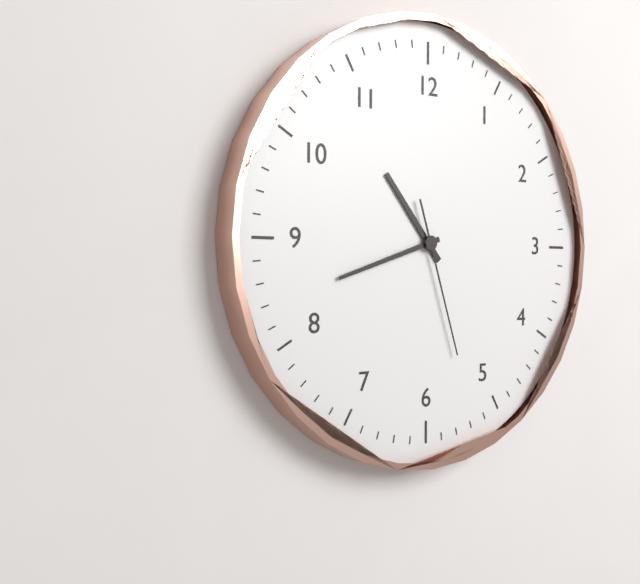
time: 10:42:27
